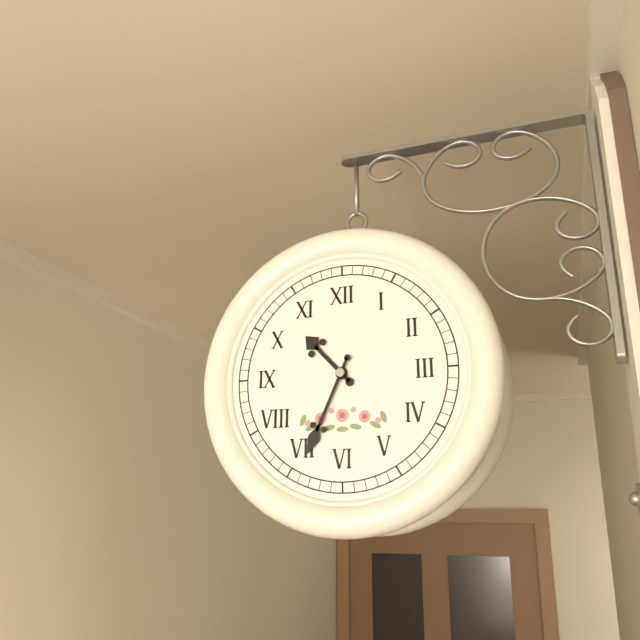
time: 10:34
